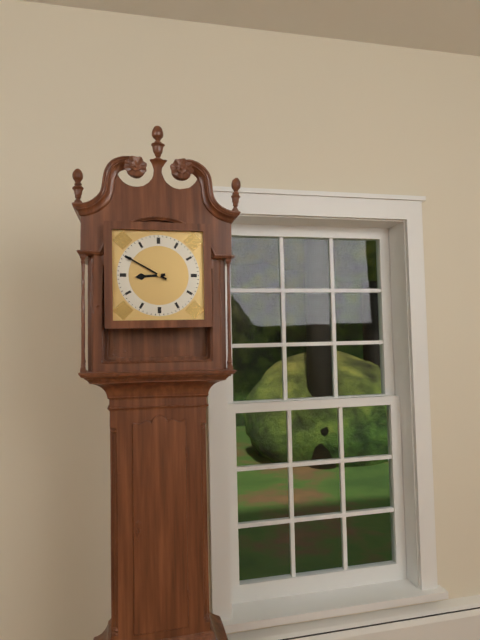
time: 8:50
